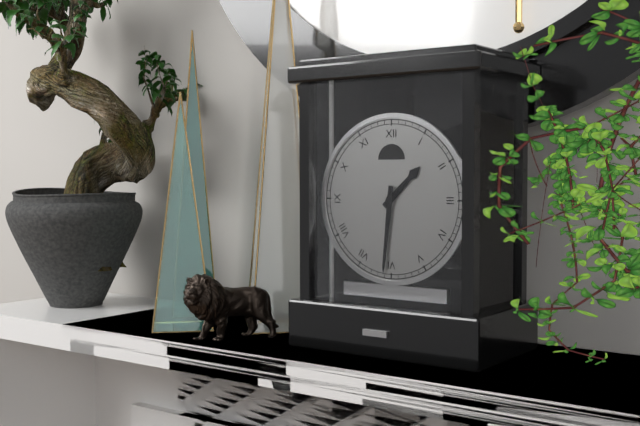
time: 1:31
